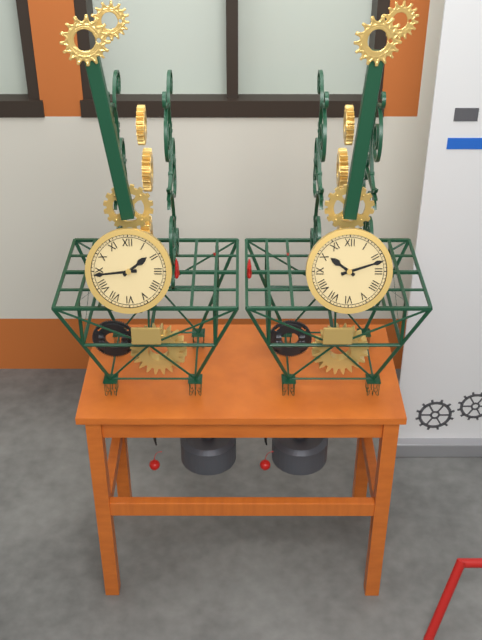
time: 1:44
